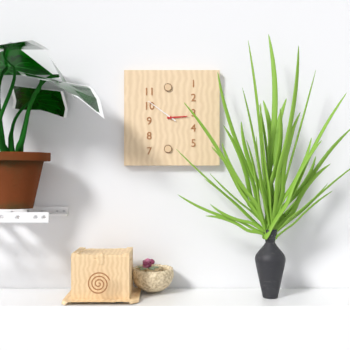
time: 2:51
